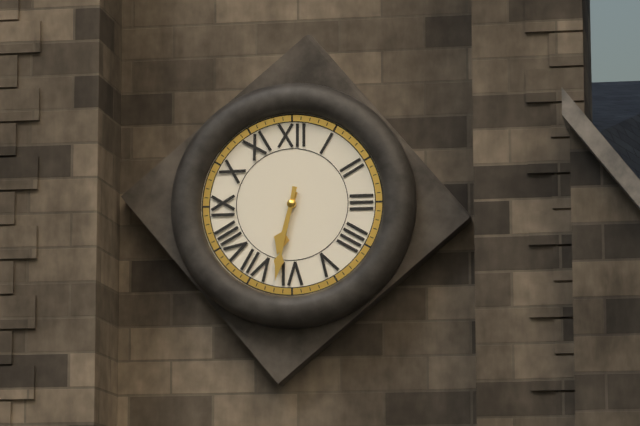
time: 6:32
